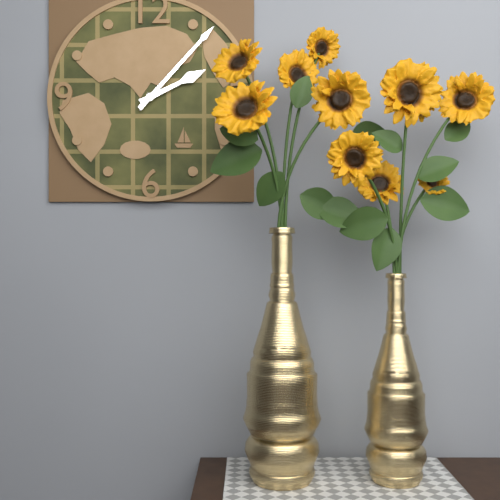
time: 2:07
